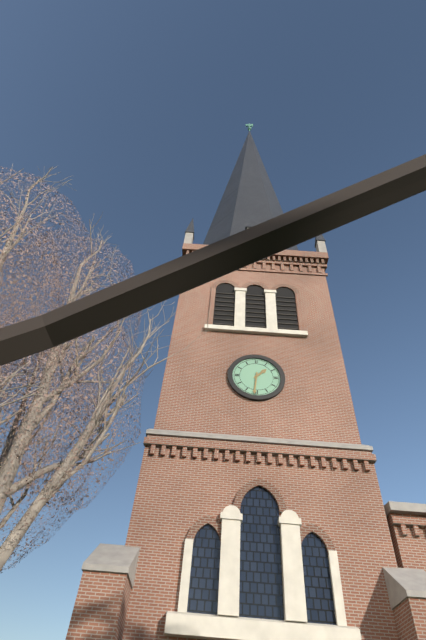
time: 1:31
